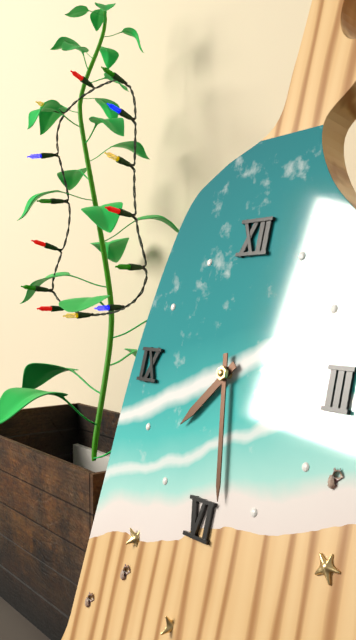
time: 7:28
